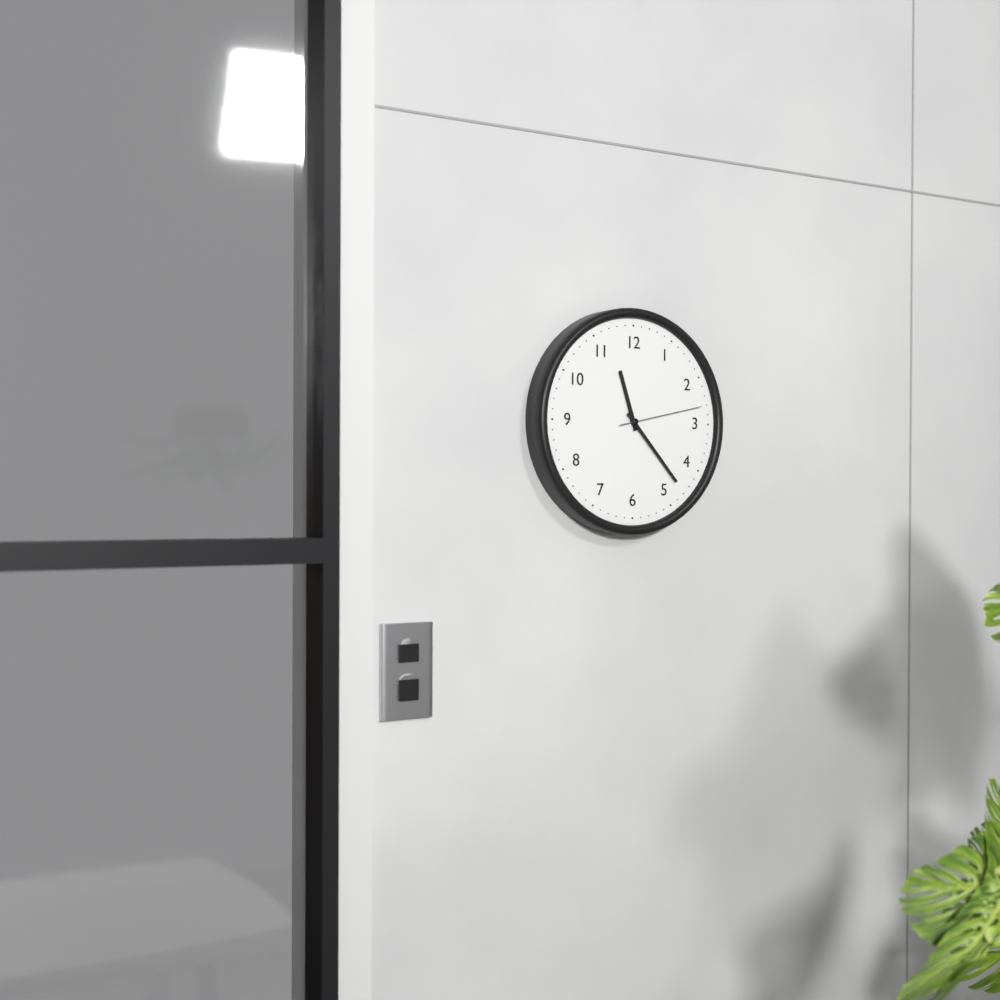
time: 11:23:13
